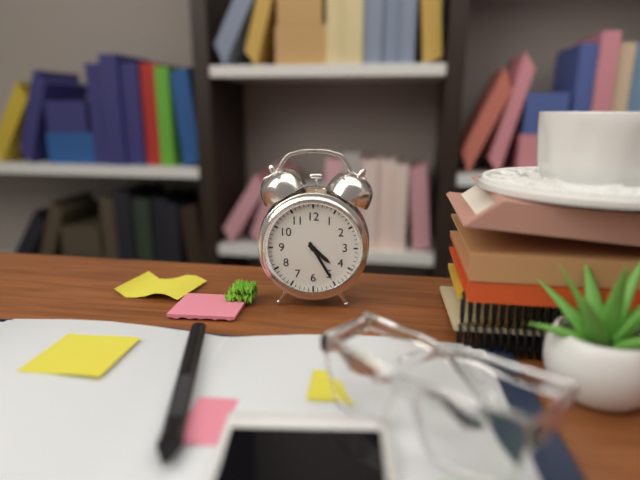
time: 4:25
